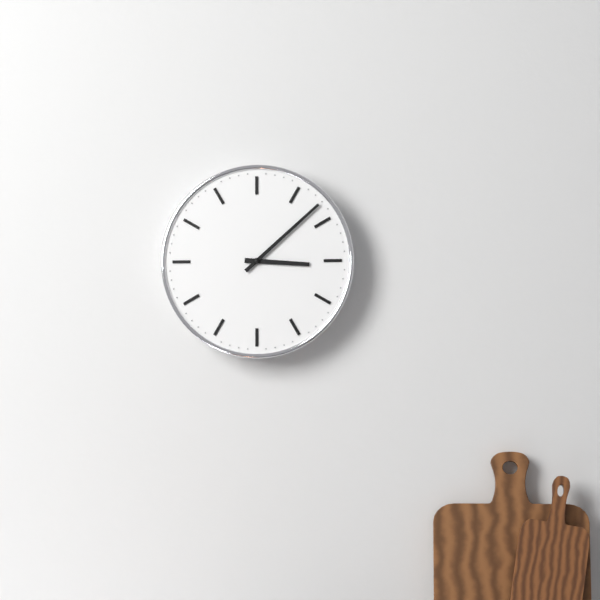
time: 3:08
